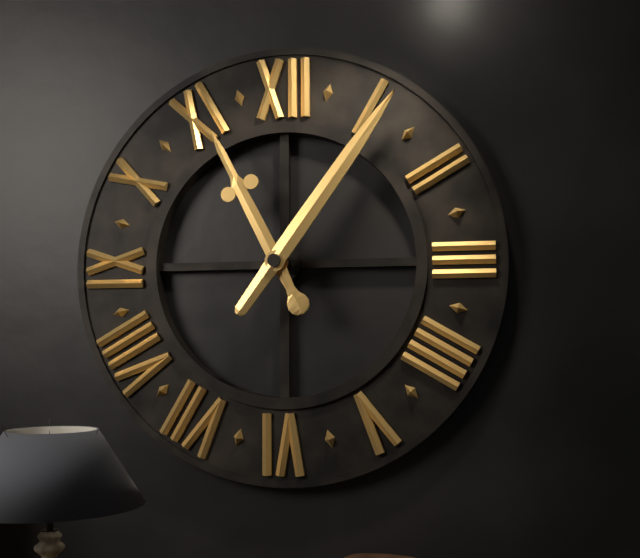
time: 11:06
